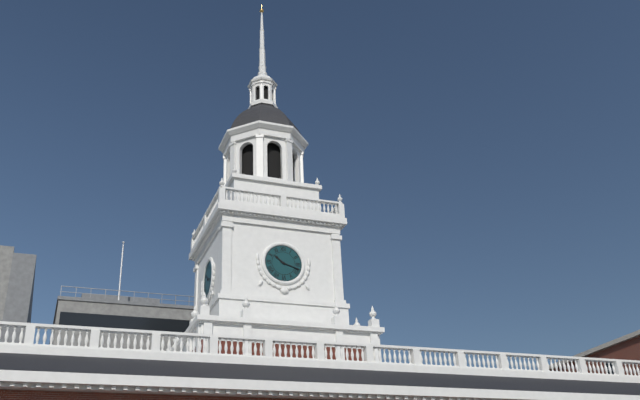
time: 10:18
